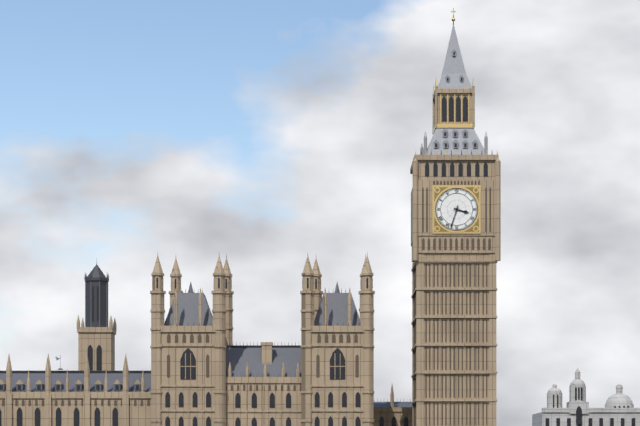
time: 3:33
